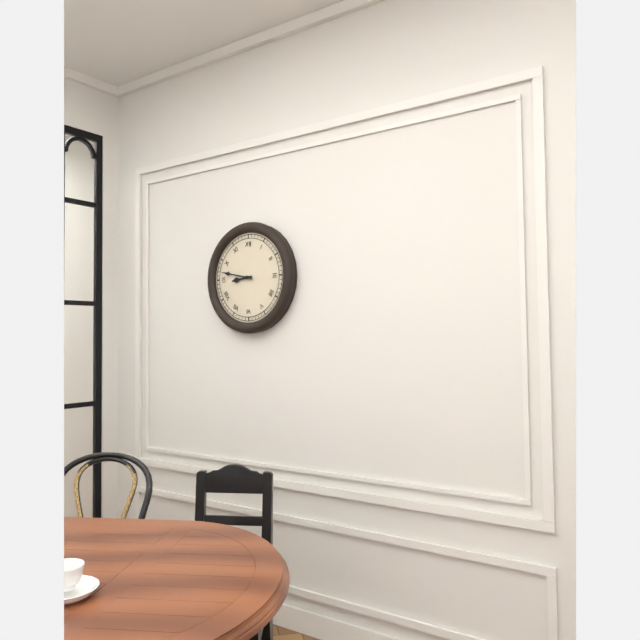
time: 8:47
